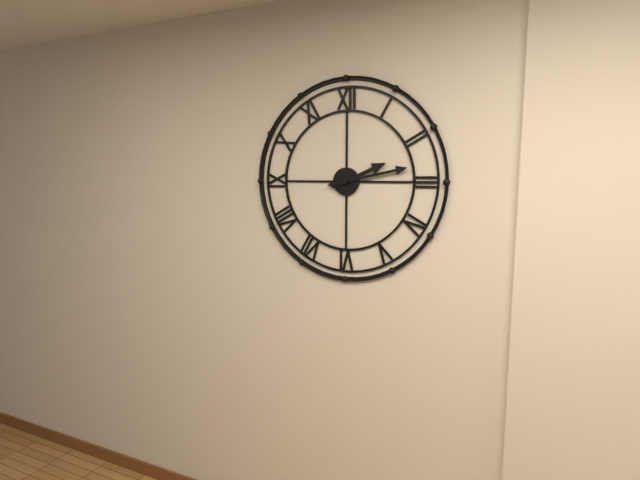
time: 2:13
